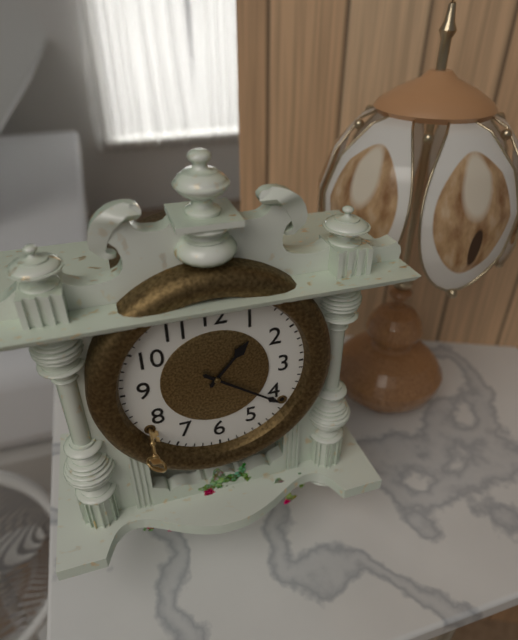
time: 1:21
